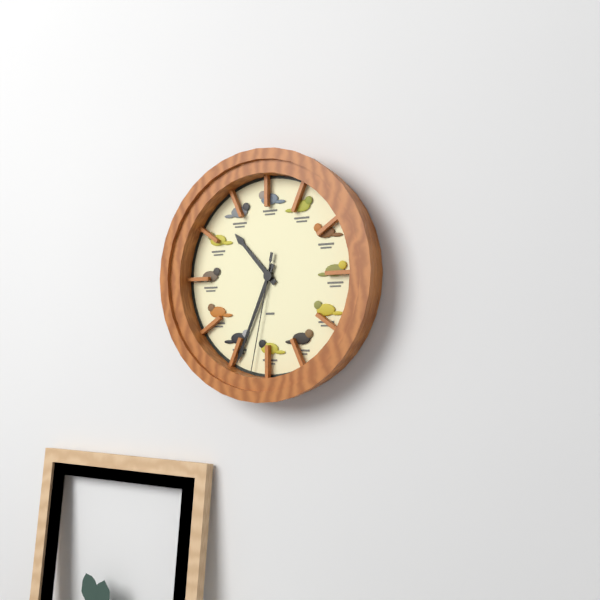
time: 10:34:32
